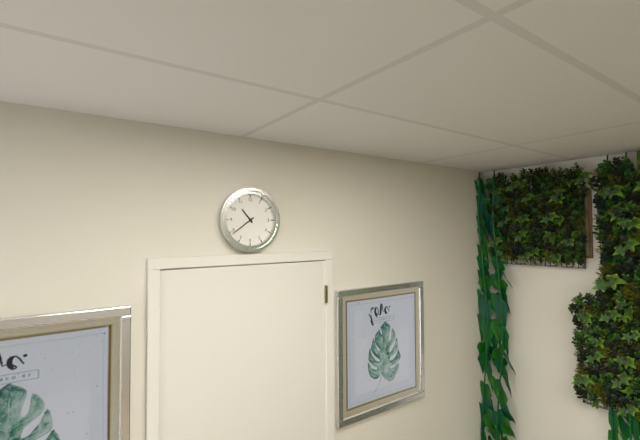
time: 10:39
